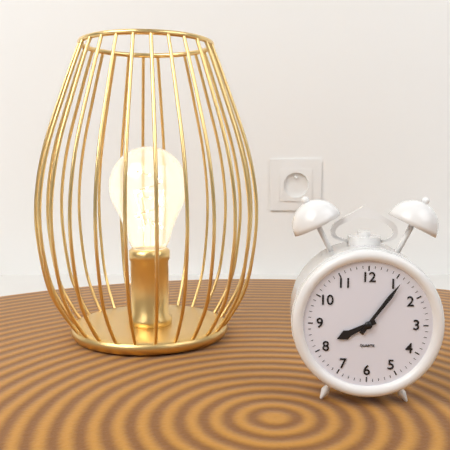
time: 8:06
